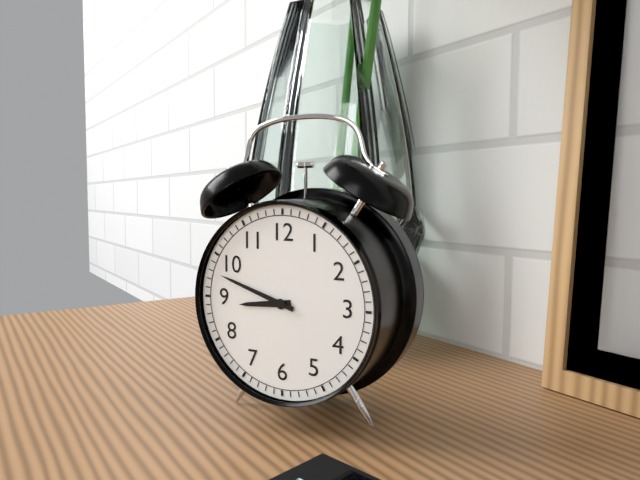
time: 8:48
